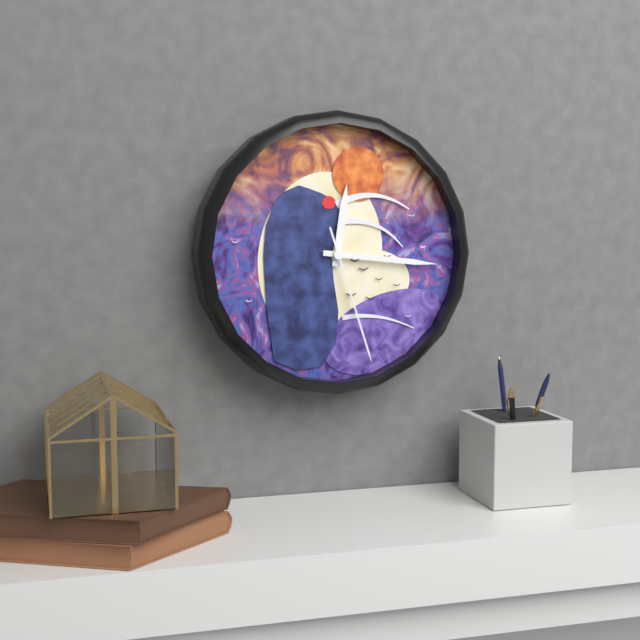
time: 12:16:27
